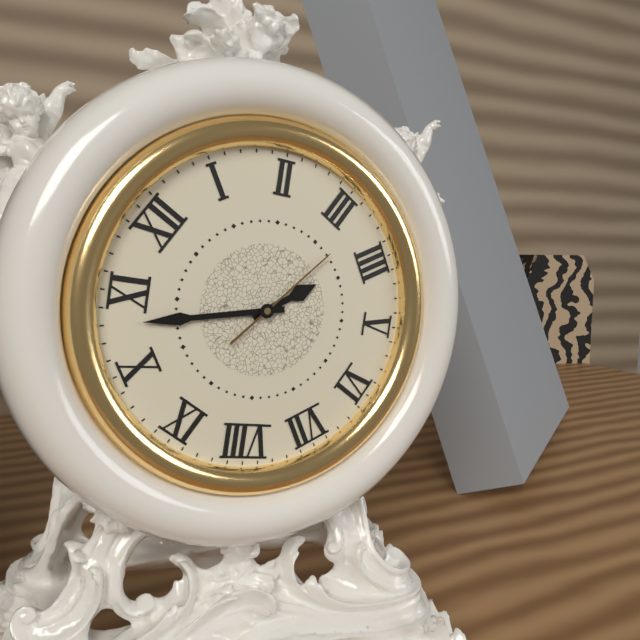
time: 3:53:17
